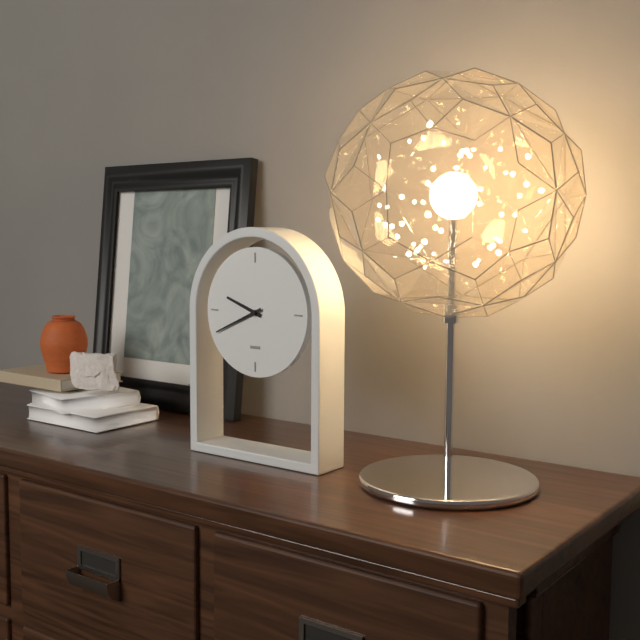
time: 9:41
